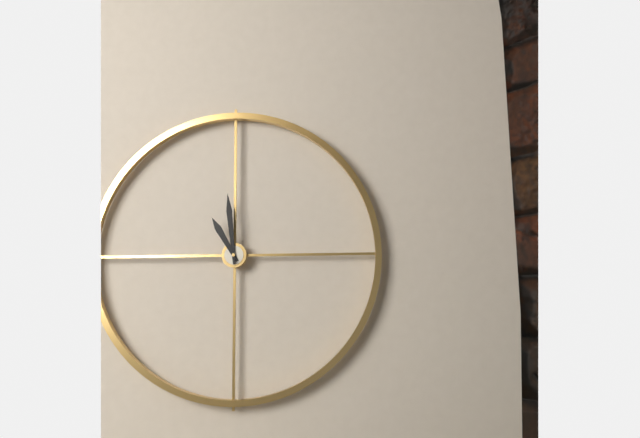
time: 10:59
